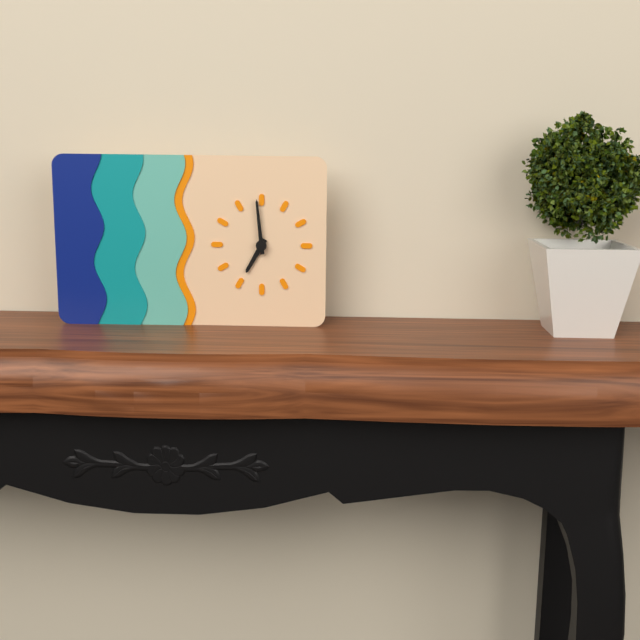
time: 6:59
